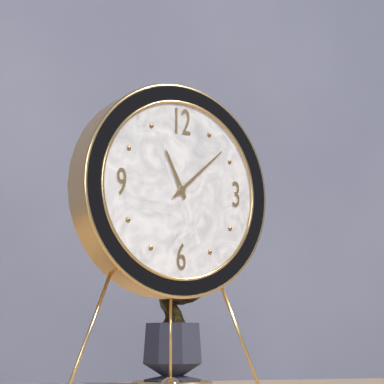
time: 11:08
